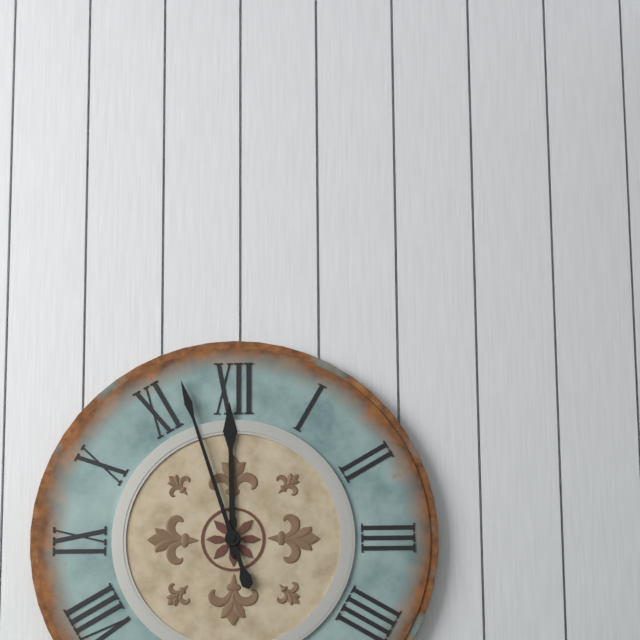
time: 11:57
